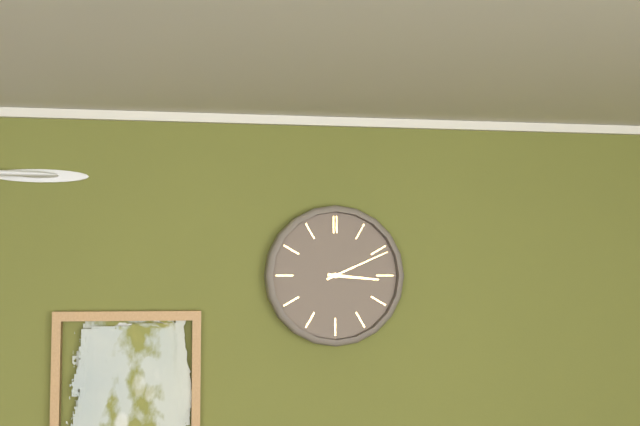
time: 3:11
